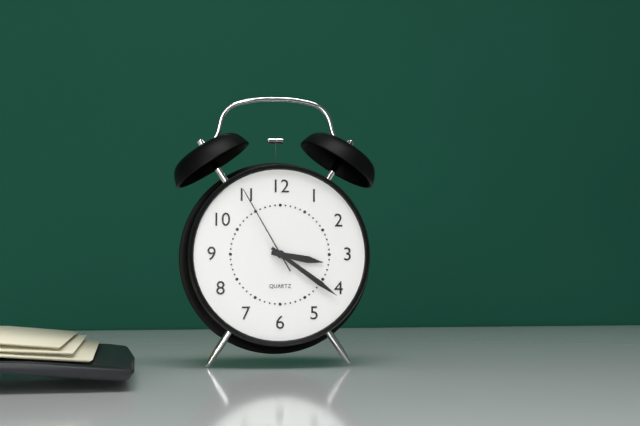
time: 3:21:55
